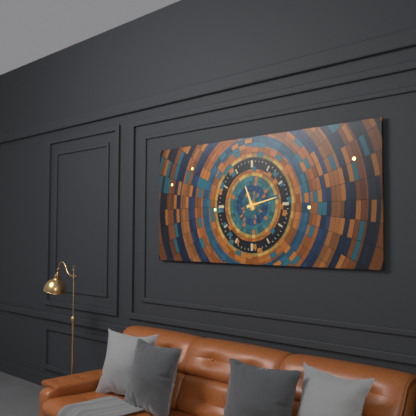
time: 11:13
